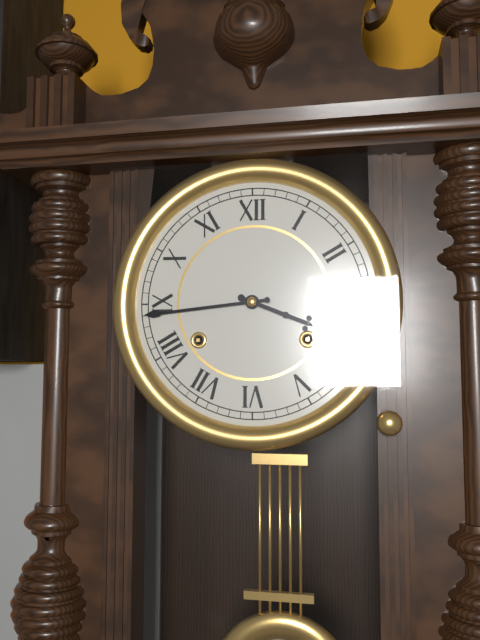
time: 3:44
